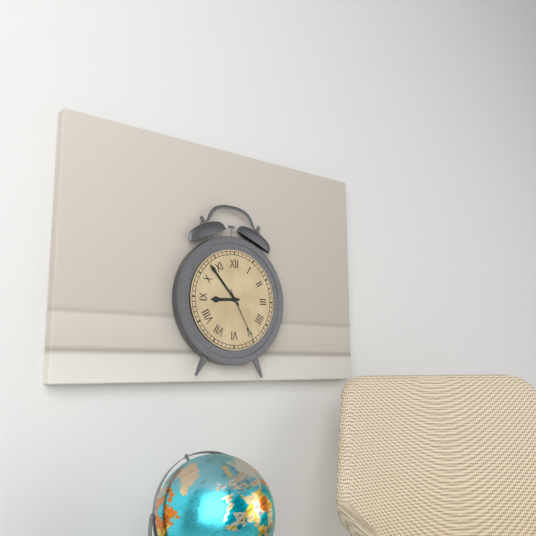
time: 8:53:25
